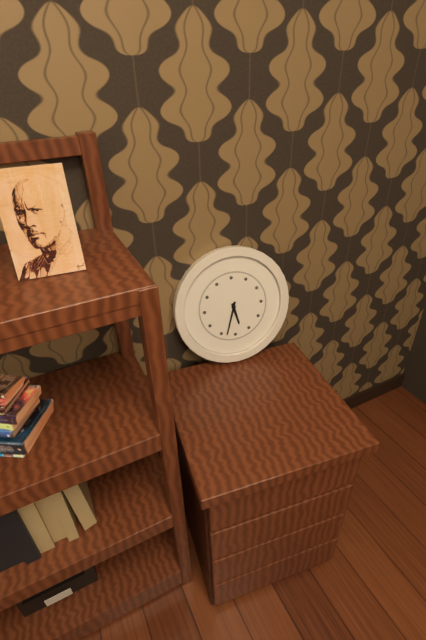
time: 5:33
